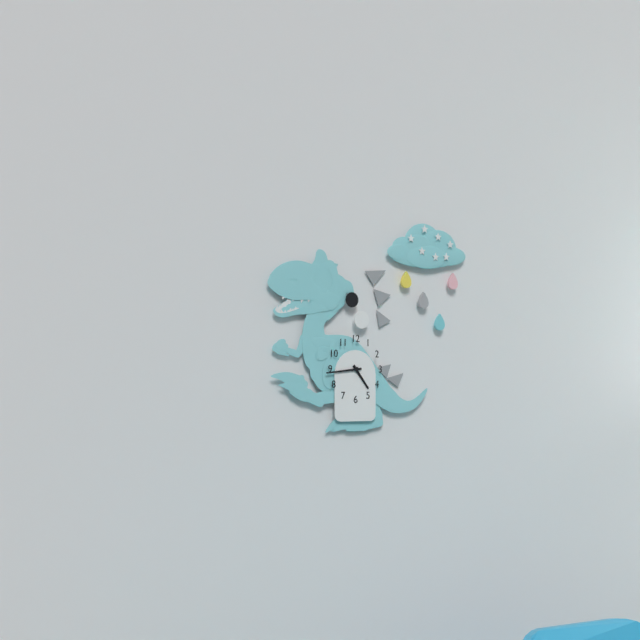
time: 4:44
